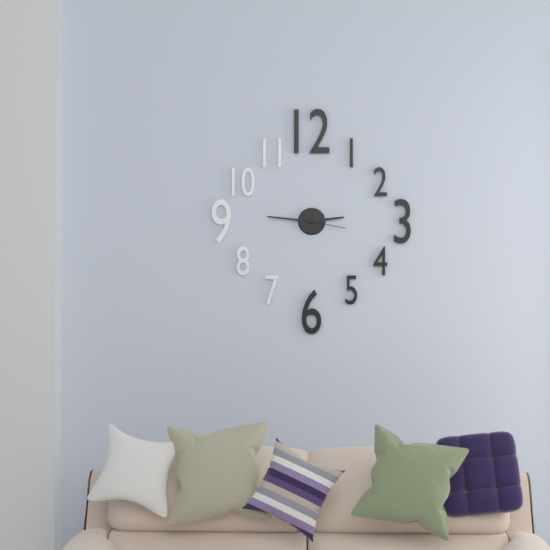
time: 2:46
